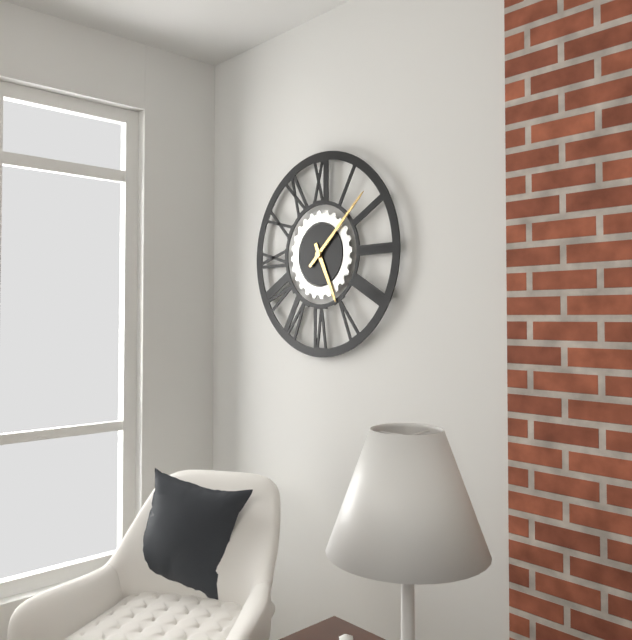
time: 5:08
